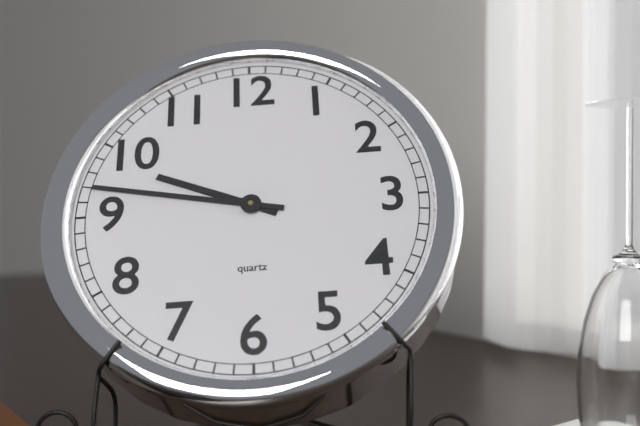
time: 9:47
